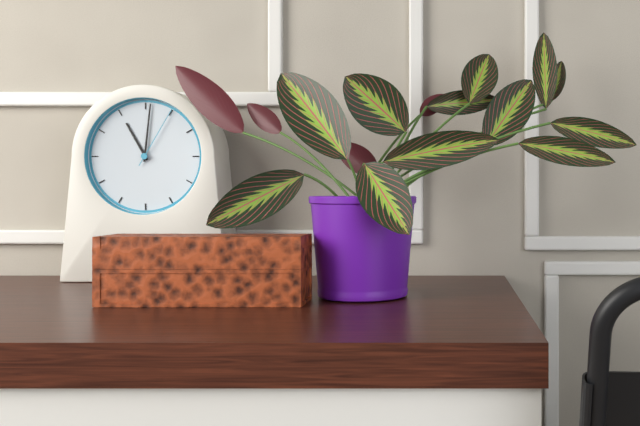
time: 11:01:05
